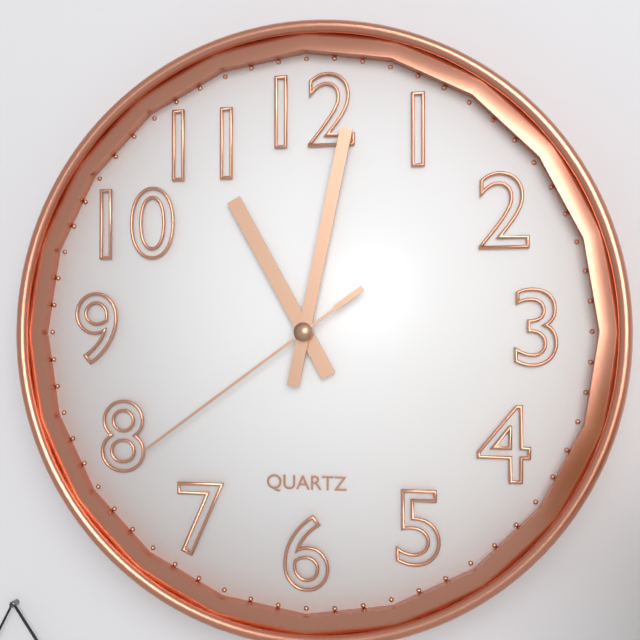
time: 11:02:39
